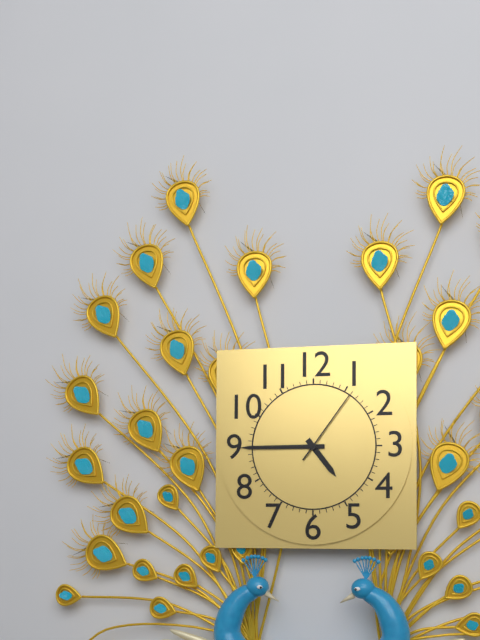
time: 4:45:06
